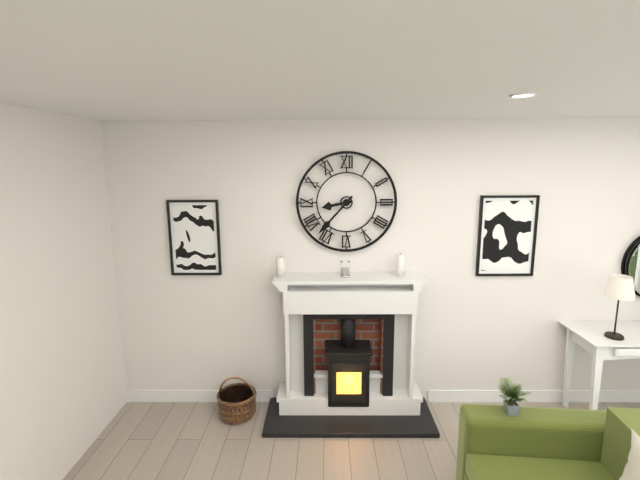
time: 8:37
